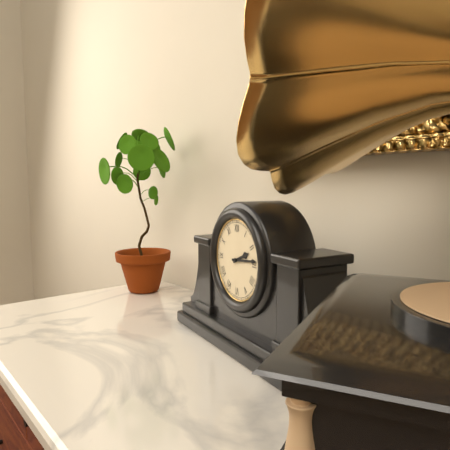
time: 2:14
